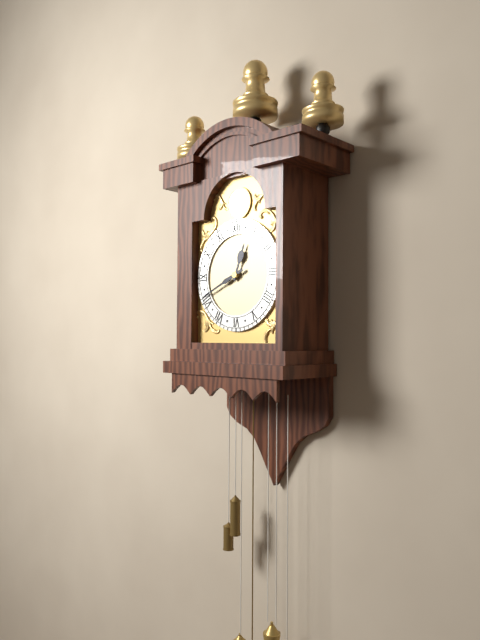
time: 12:41
